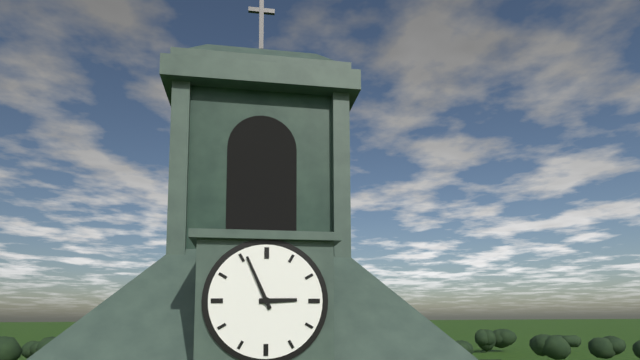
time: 2:56
